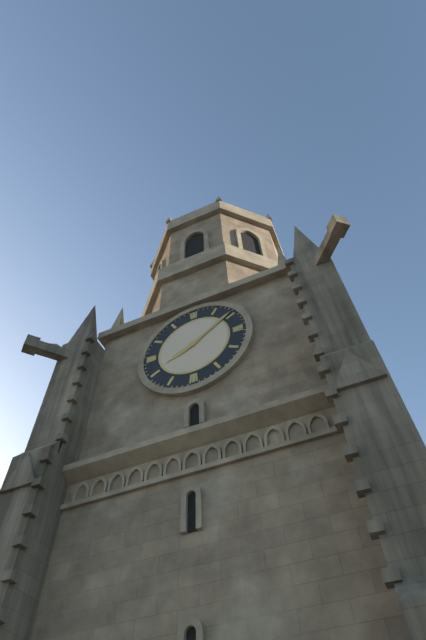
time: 8:09
